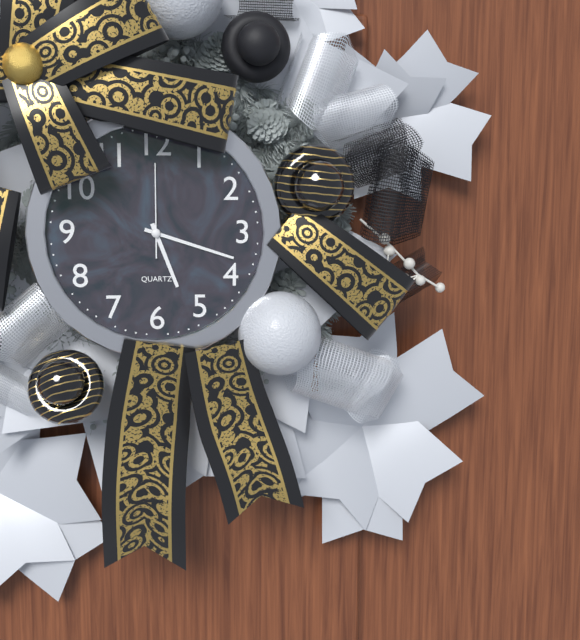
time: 5:18:00
